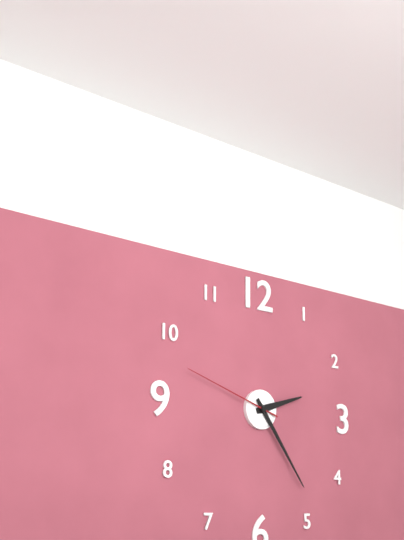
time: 2:24:48
